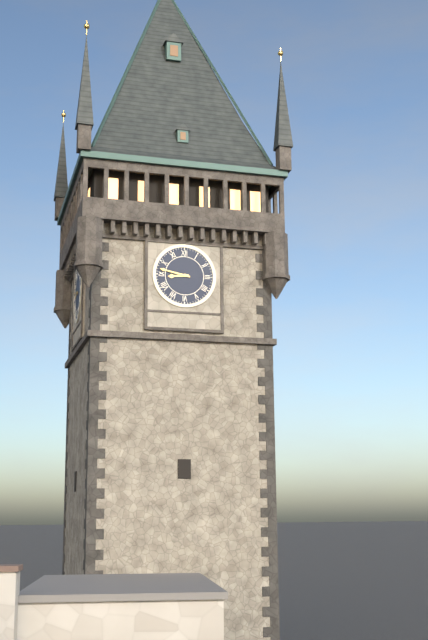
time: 8:47
